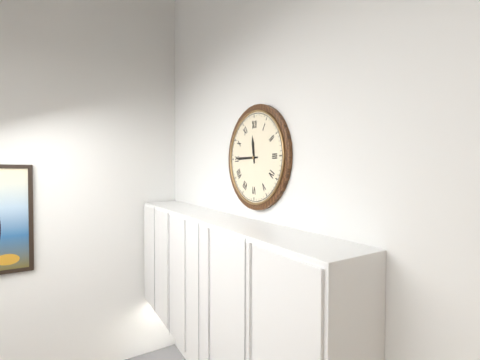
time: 11:45
